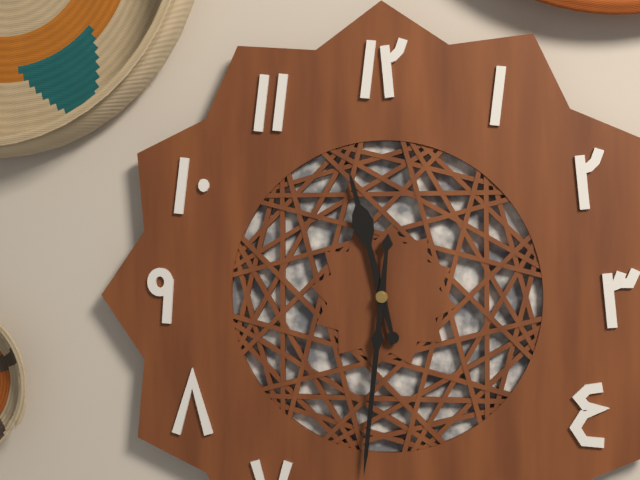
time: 11:31
